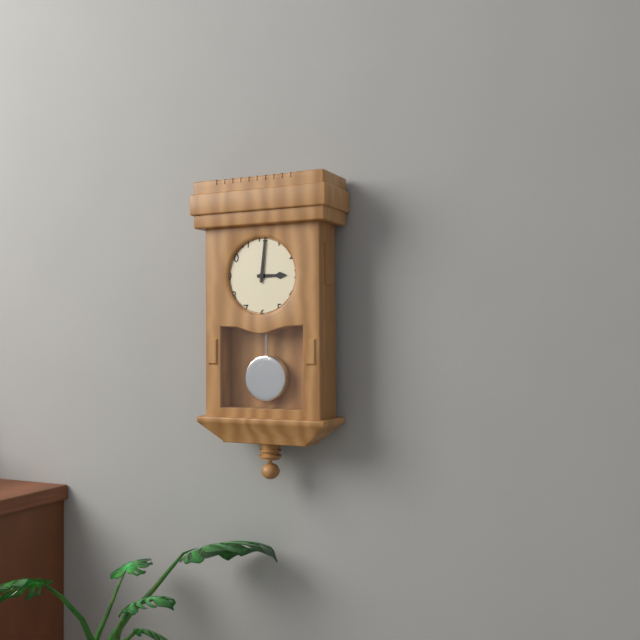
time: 3:01
